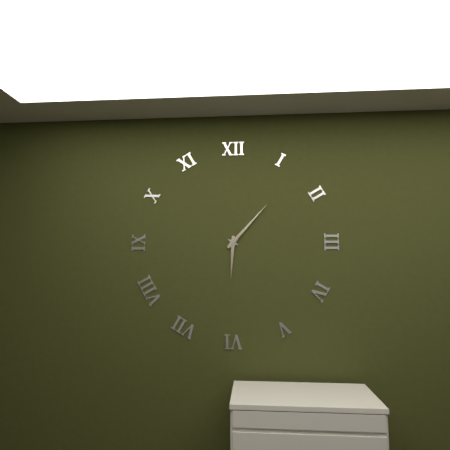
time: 6:07
